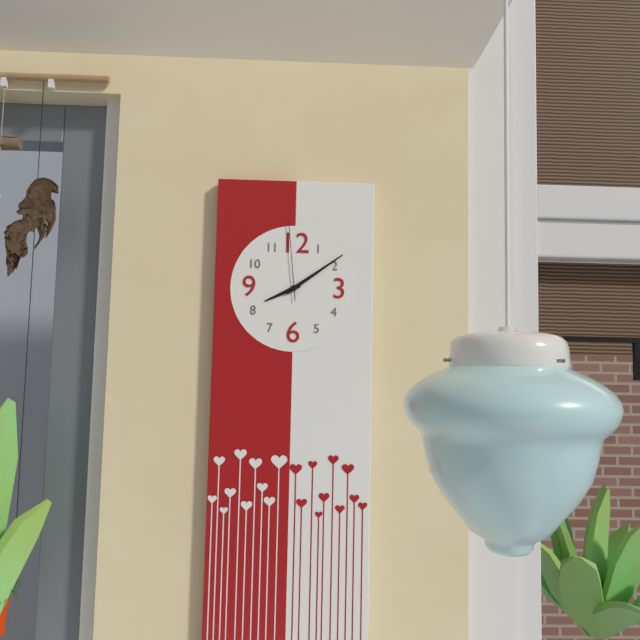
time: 8:09:59
